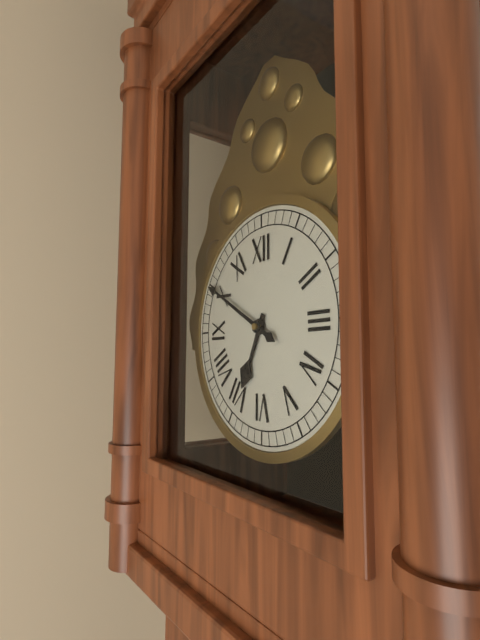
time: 6:50
